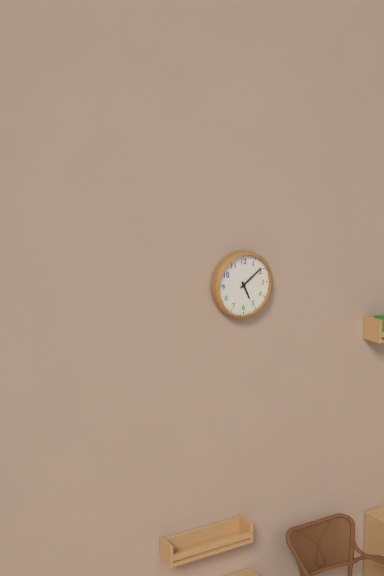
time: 5:09
